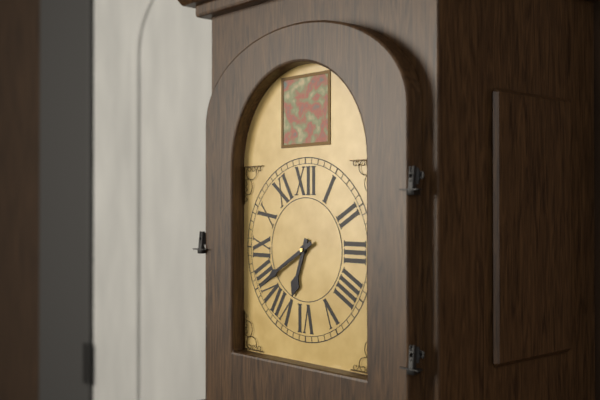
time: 6:40
